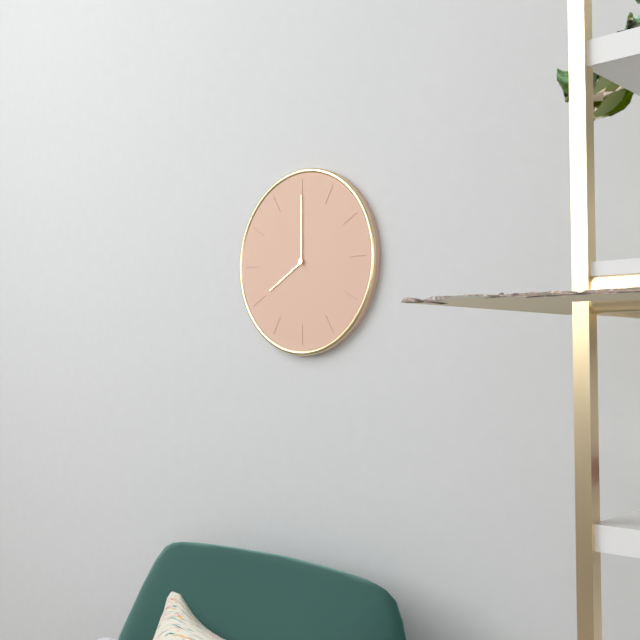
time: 8:00
